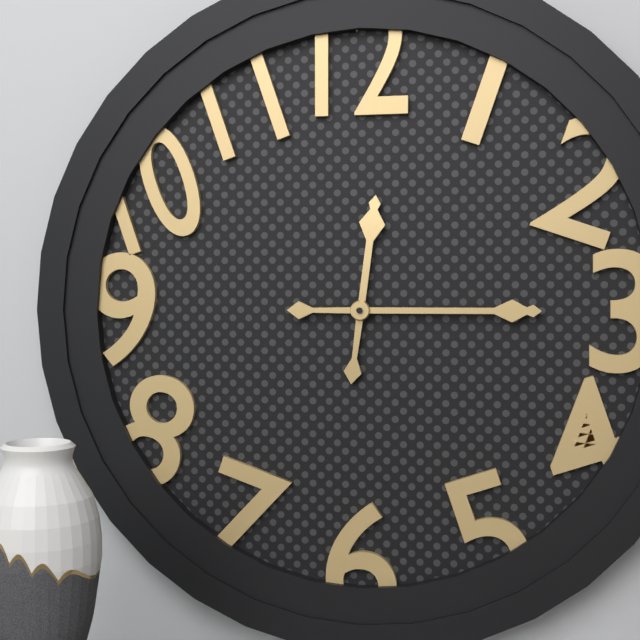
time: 12:15
